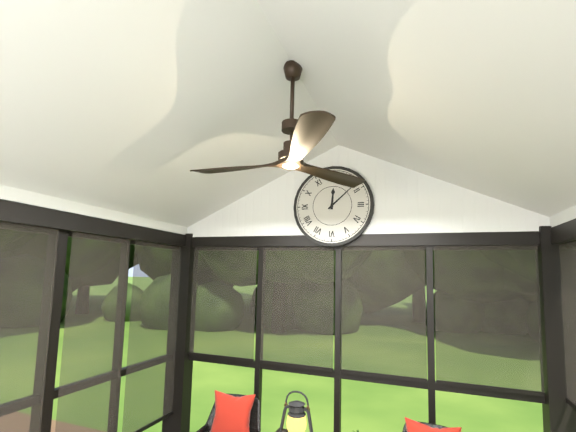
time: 12:08
